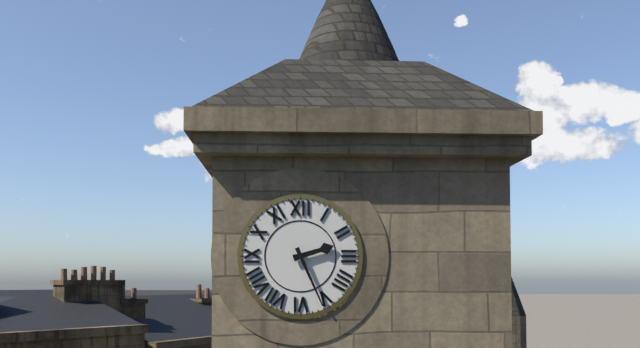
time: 2:26
